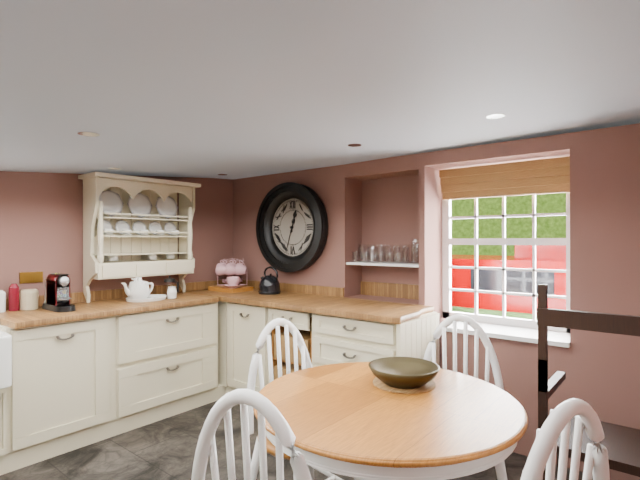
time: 12:33
